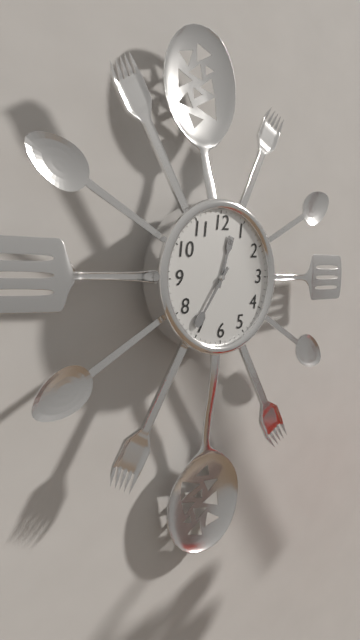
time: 12:36
